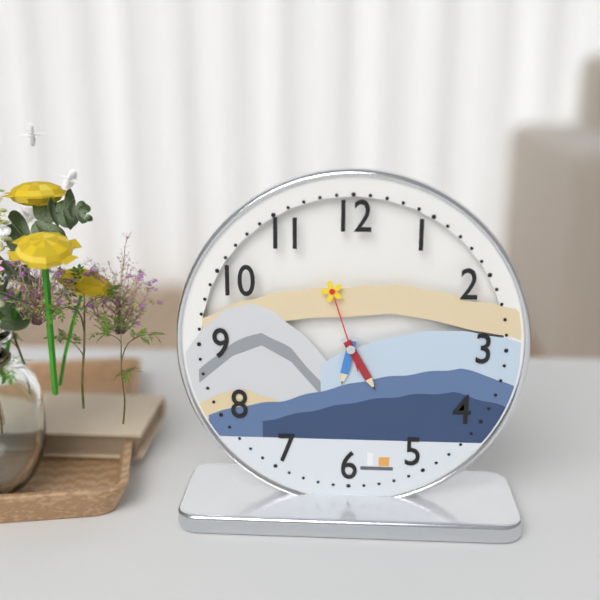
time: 6:25:57
